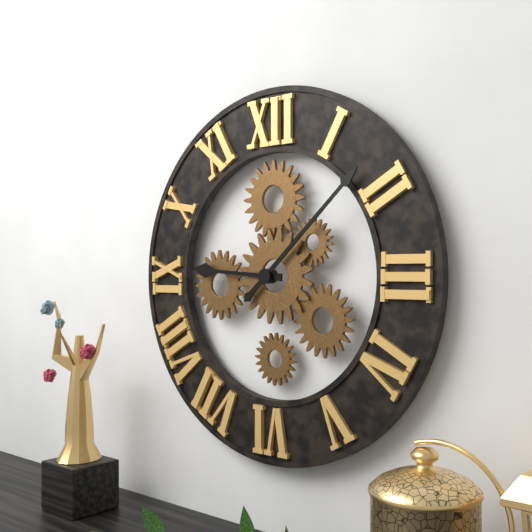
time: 9:08
